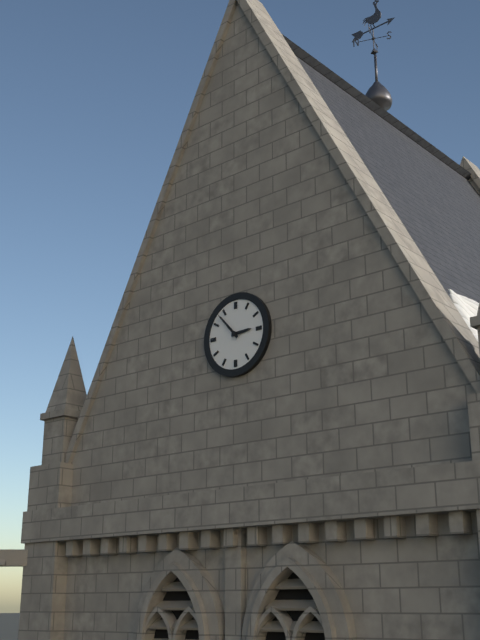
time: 2:53
